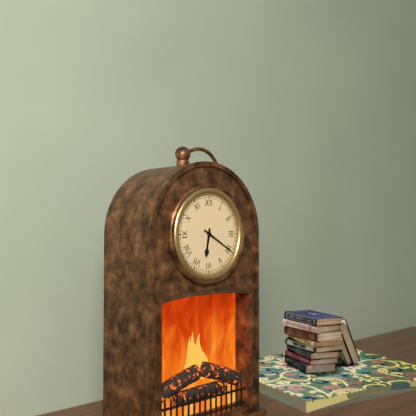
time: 6:20
